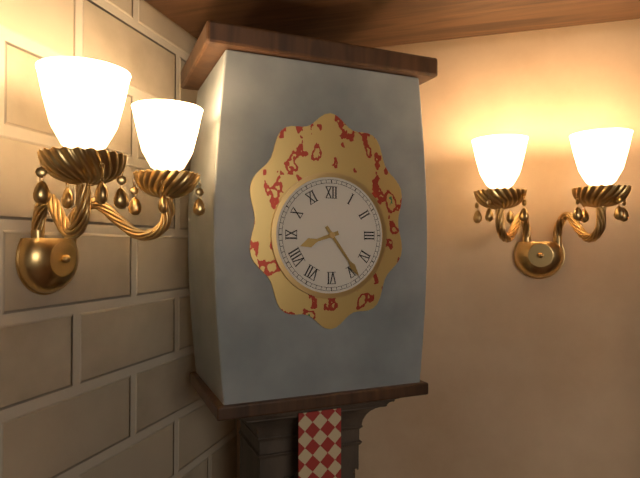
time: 8:24
